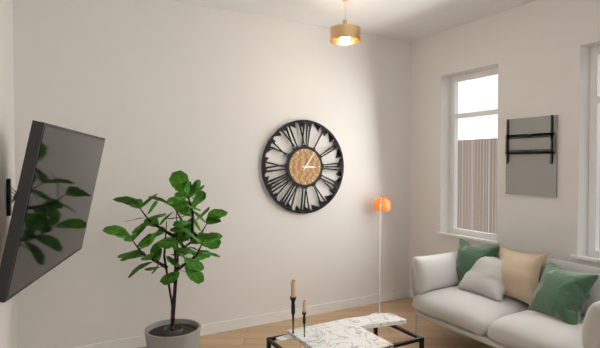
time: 3:06
